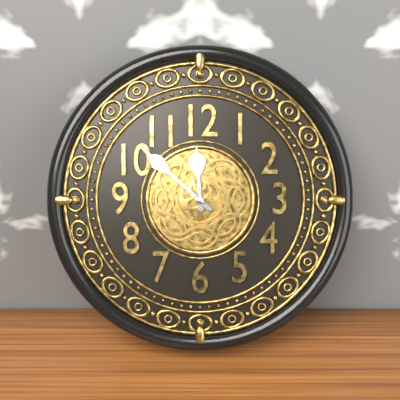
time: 11:52
